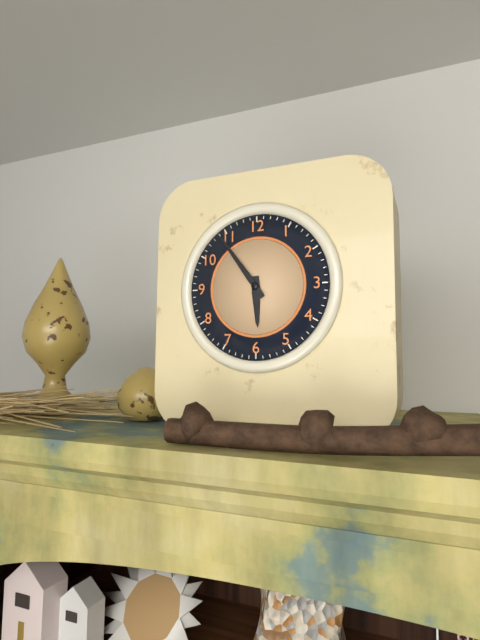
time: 5:54
